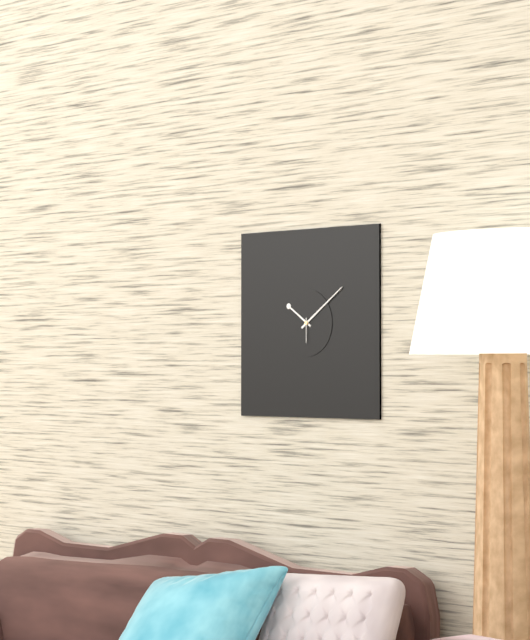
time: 10:09
